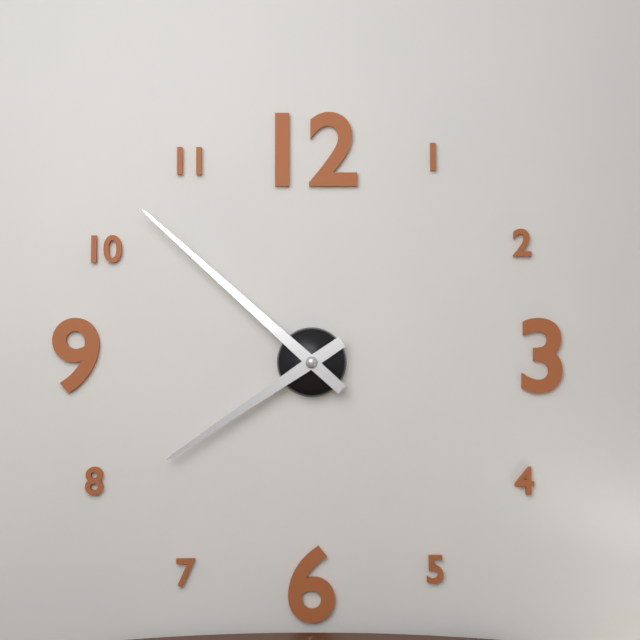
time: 7:52
